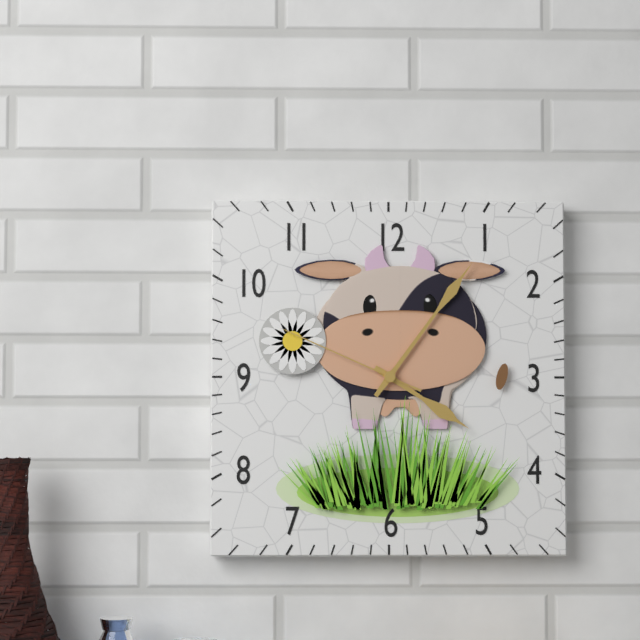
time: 4:06:49
